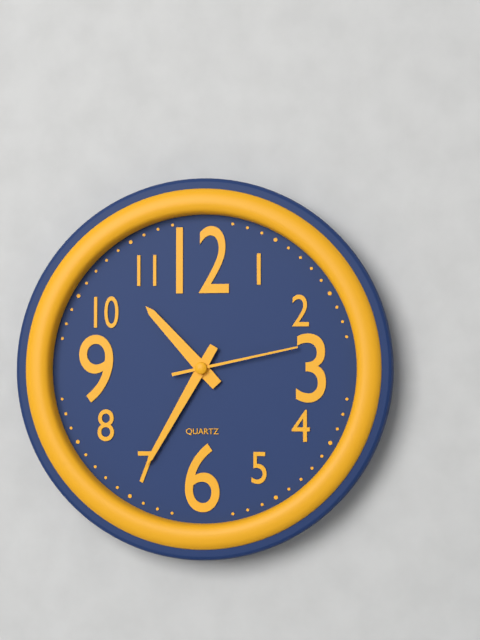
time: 10:35:13
